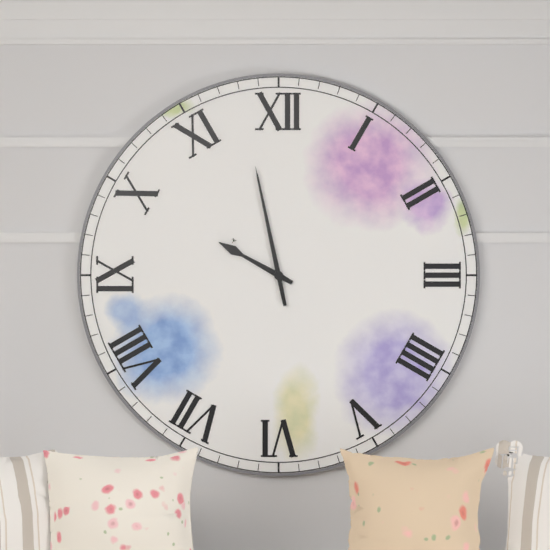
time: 9:58
